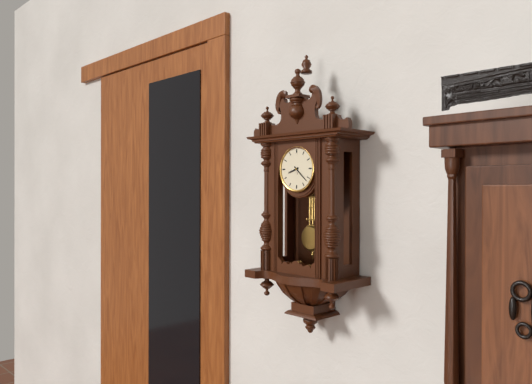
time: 8:22
